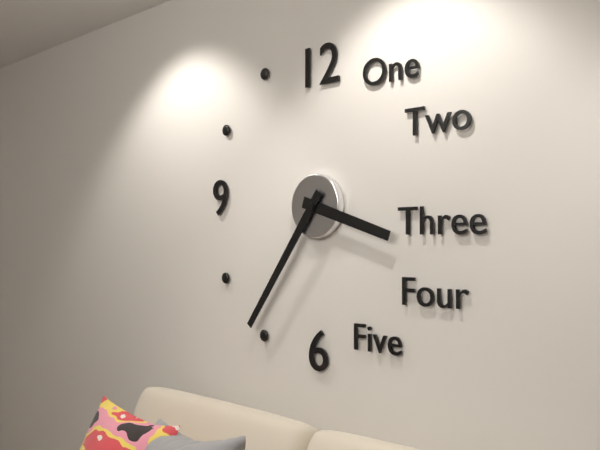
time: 3:36
